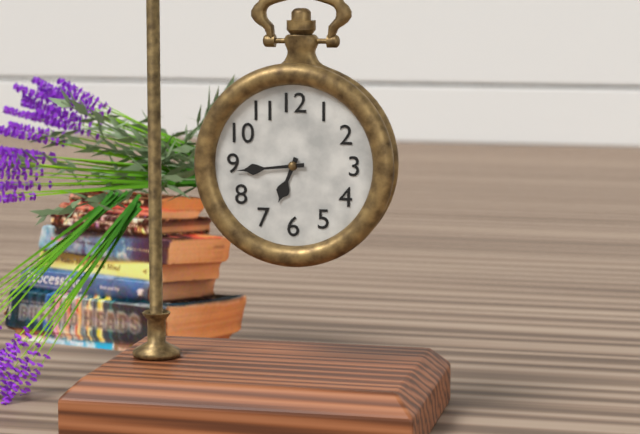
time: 6:44
